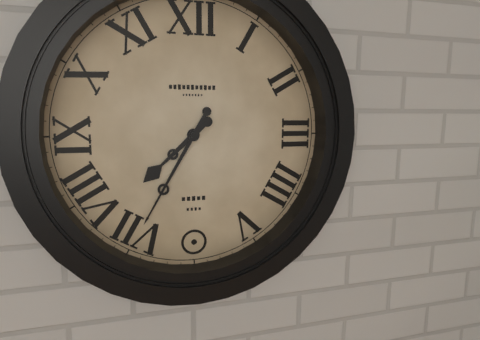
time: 7:35
